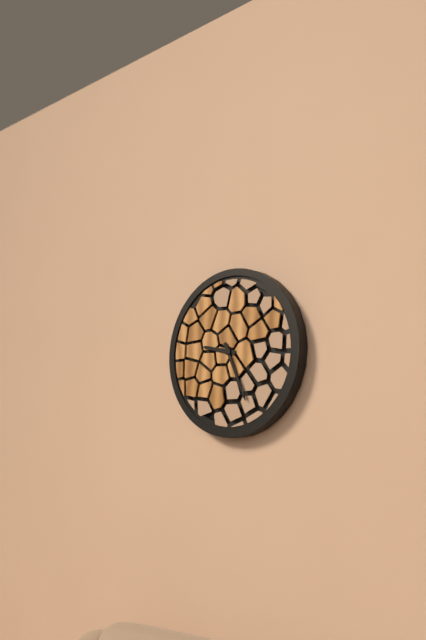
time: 9:26
